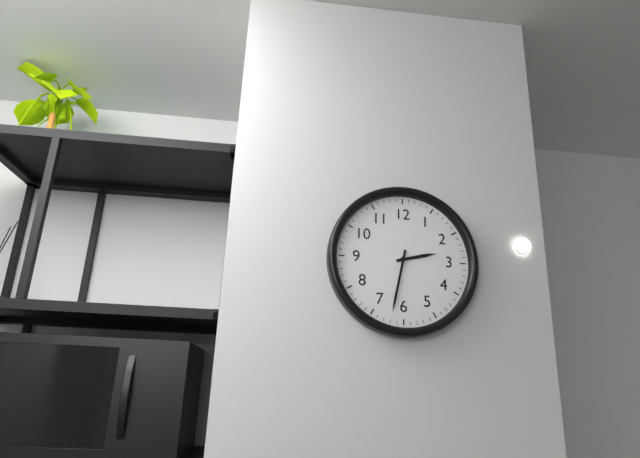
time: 2:32
